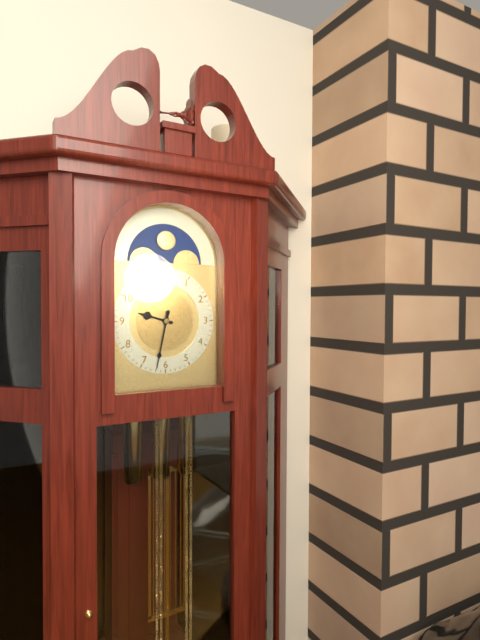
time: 9:32
